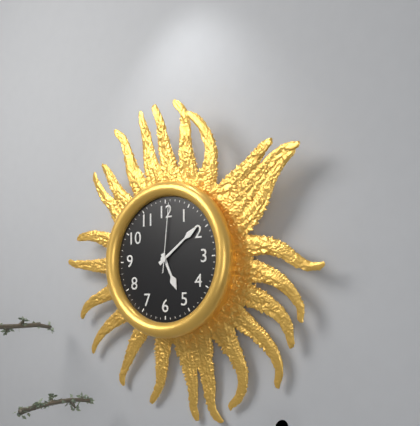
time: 5:09:01
